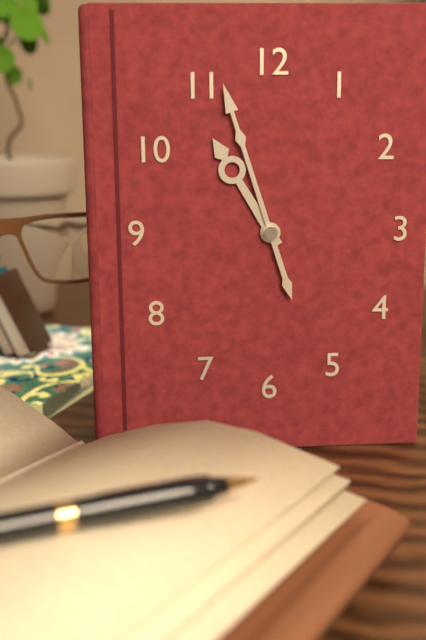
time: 10:57
